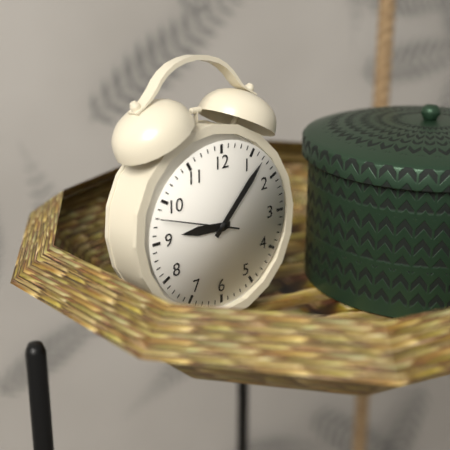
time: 9:07:48
